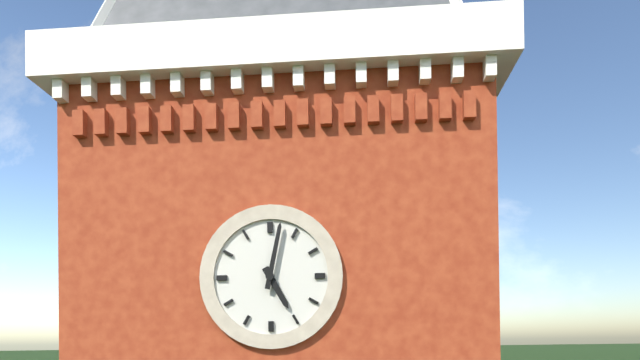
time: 5:02
